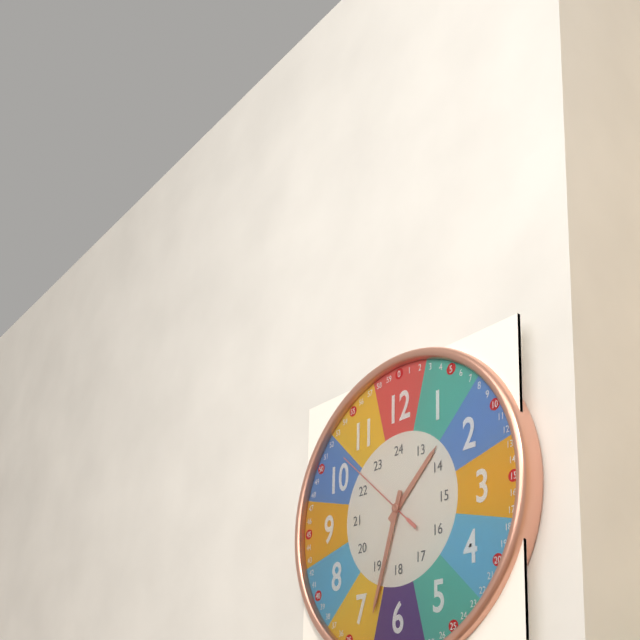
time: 1:33:52
